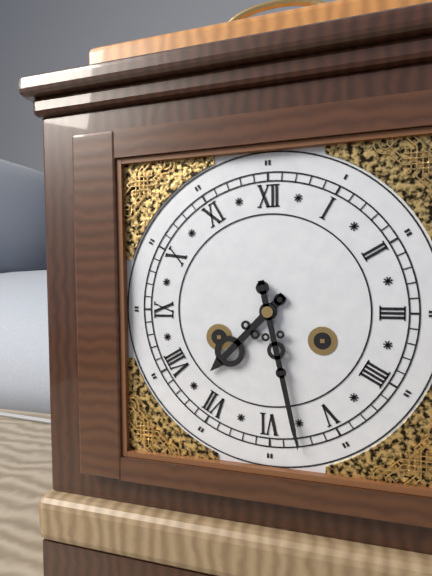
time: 7:28
